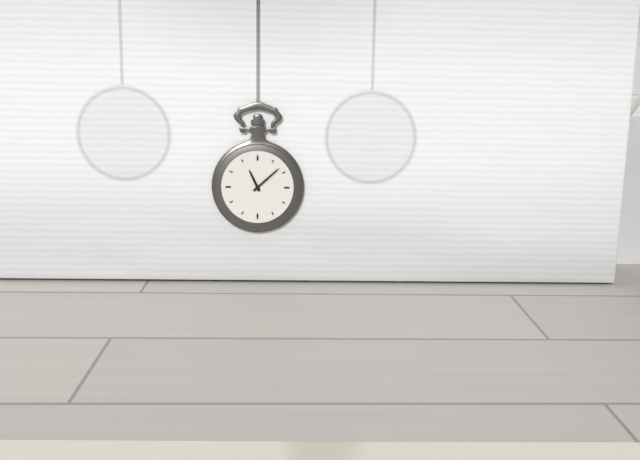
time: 11:08
